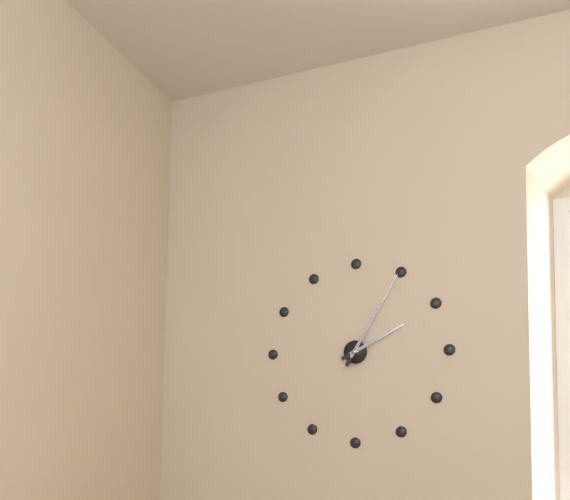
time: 2:05
